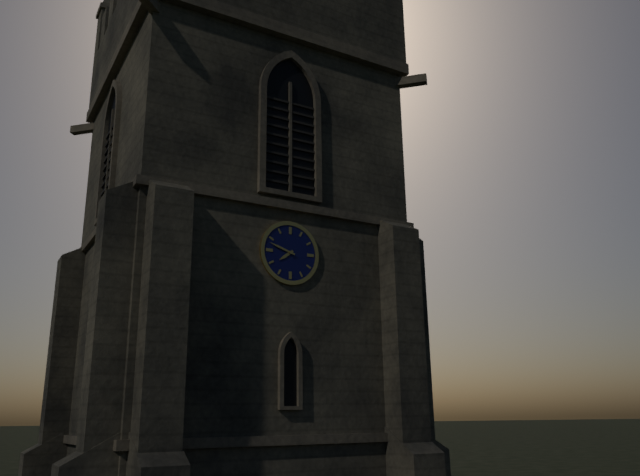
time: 7:48
